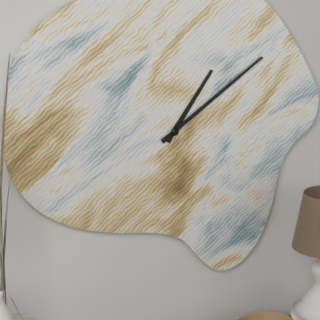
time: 1:09
